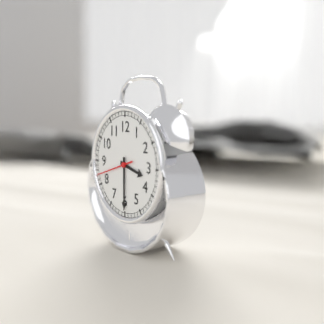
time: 3:30
